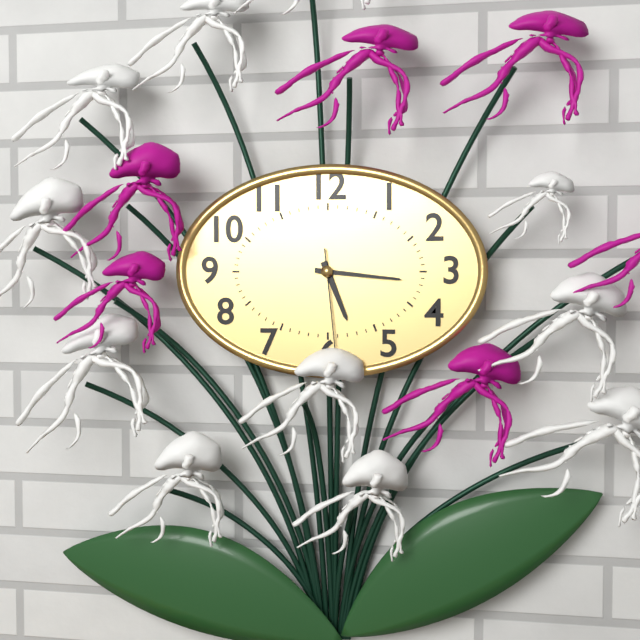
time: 5:16:29
